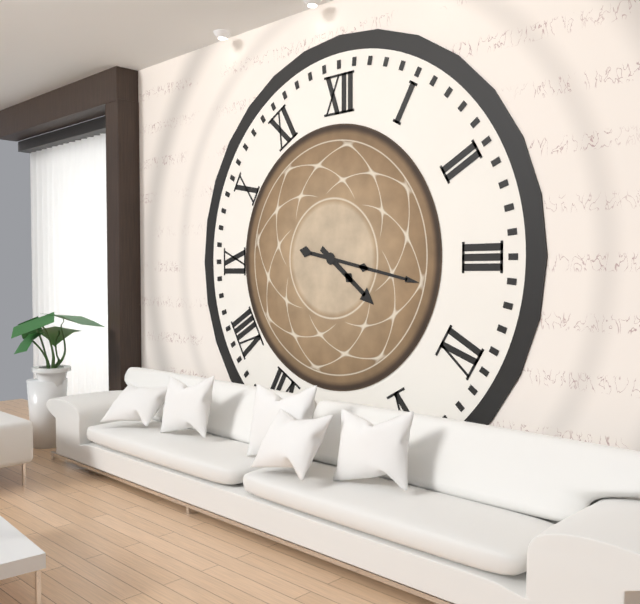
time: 4:17
